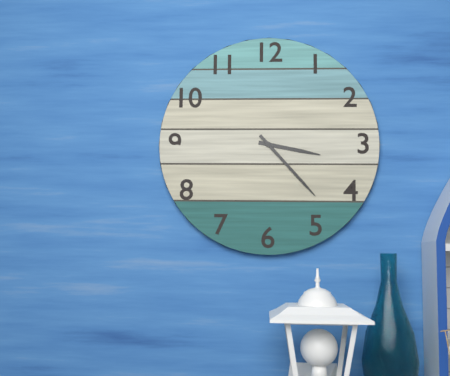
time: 3:23
